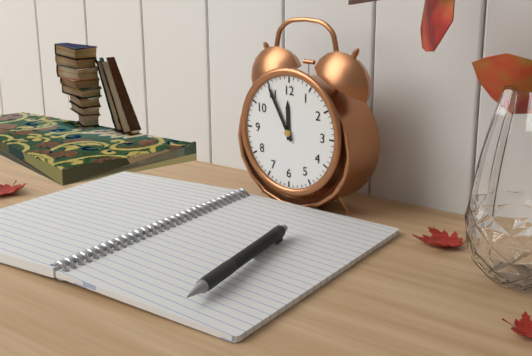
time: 11:55
